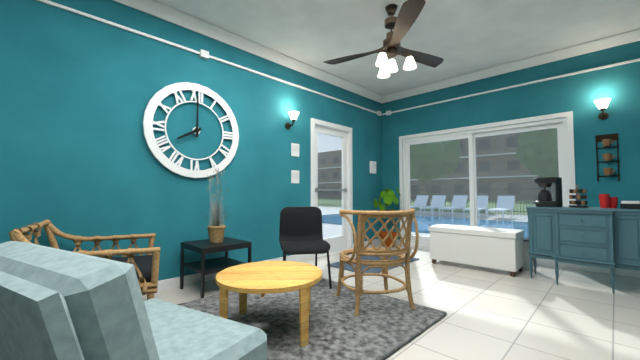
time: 8:00
